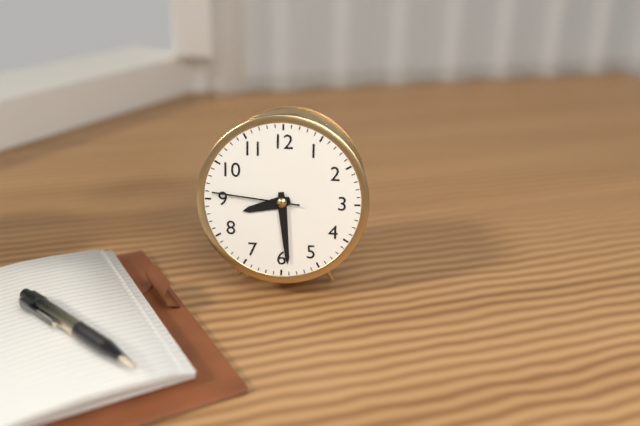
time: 8:29:46
